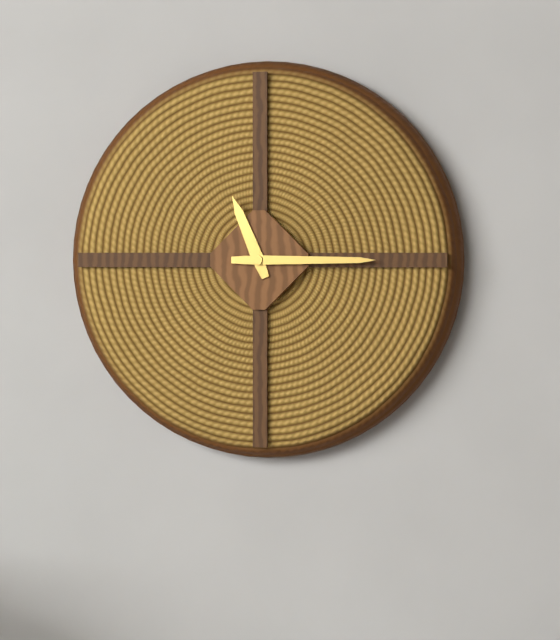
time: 11:15
